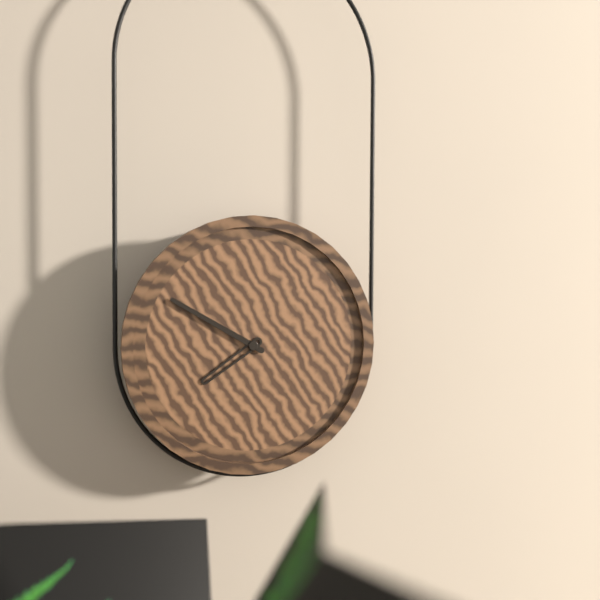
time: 7:50
